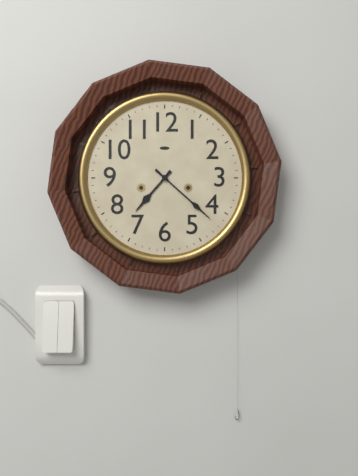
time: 7:22
